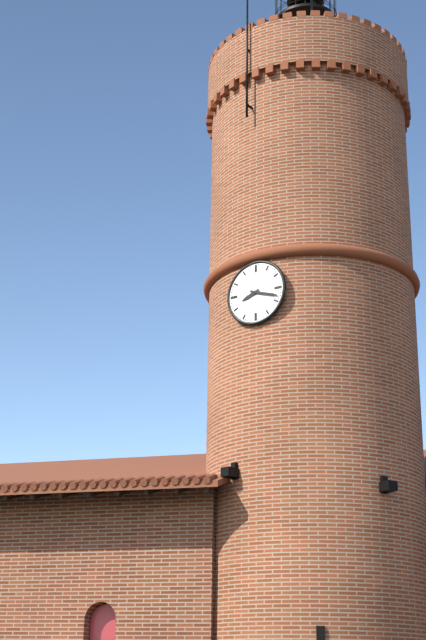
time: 8:18
